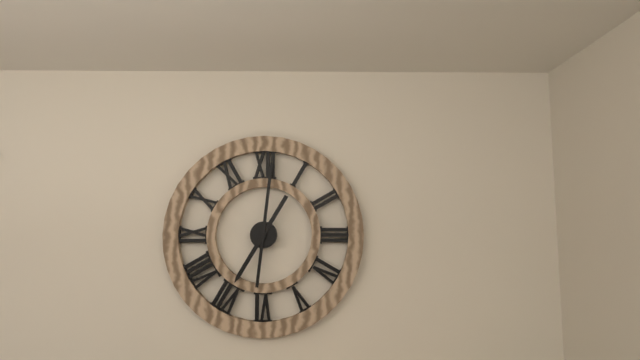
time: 7:01
